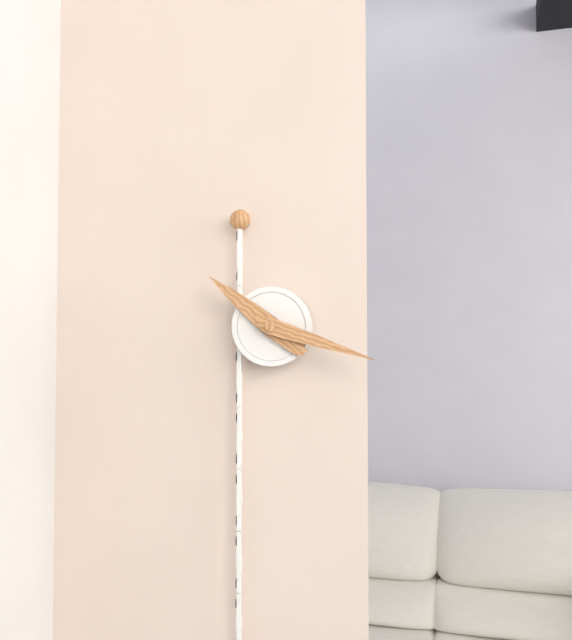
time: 10:18
